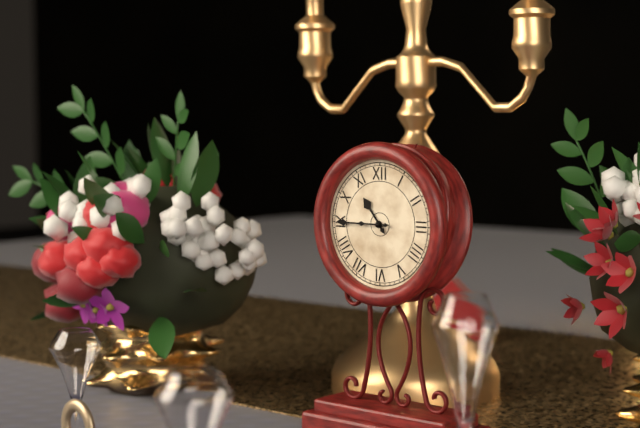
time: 10:45
